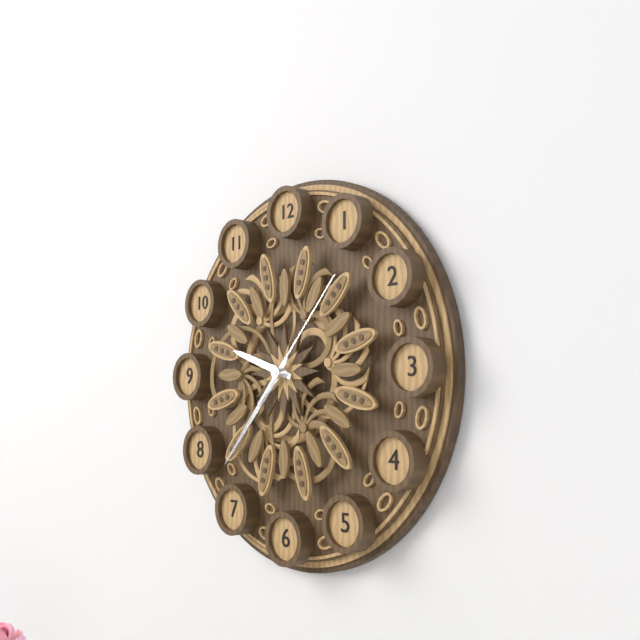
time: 9:37:07
